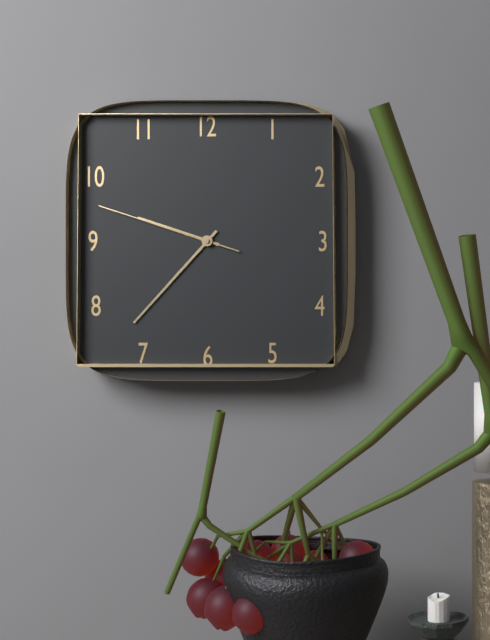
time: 9:37:48
